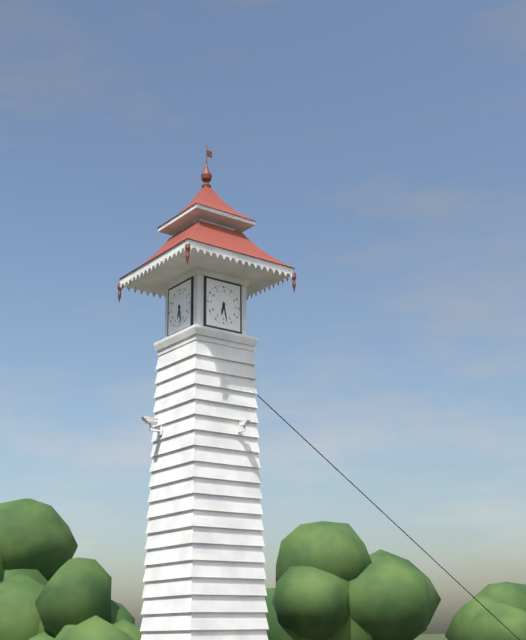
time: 6:28
